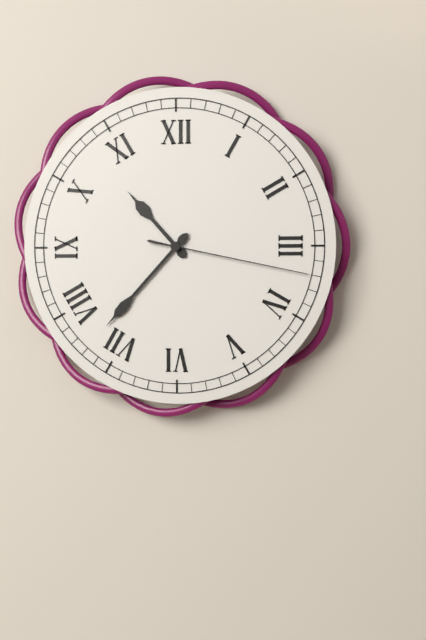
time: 10:37:17
